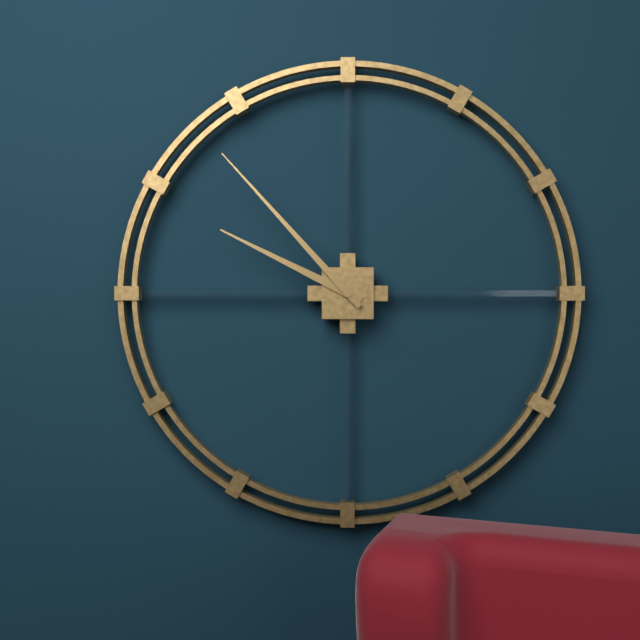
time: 9:53
